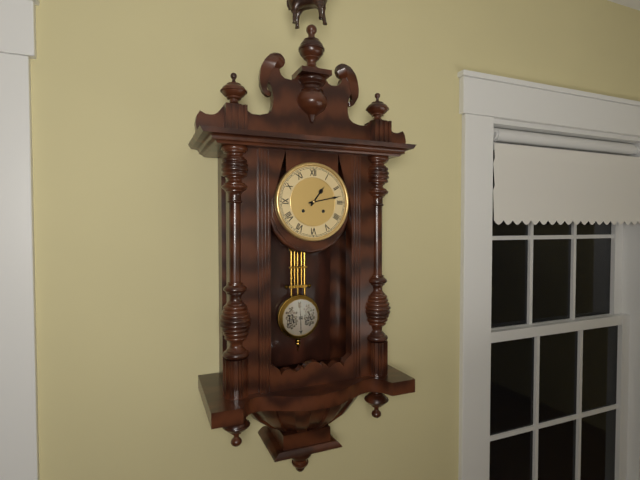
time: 1:13
